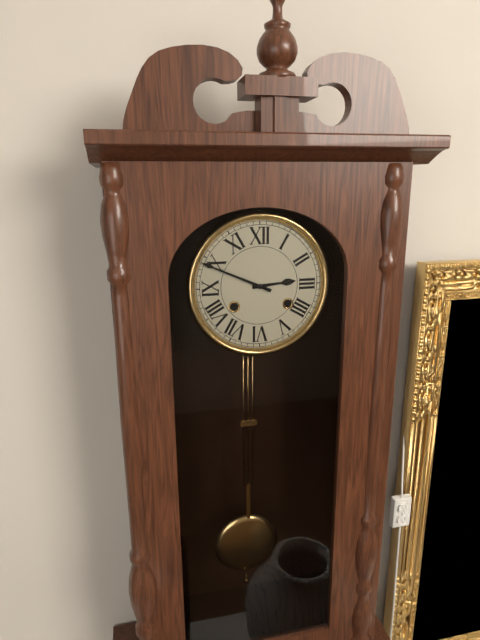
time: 2:49
